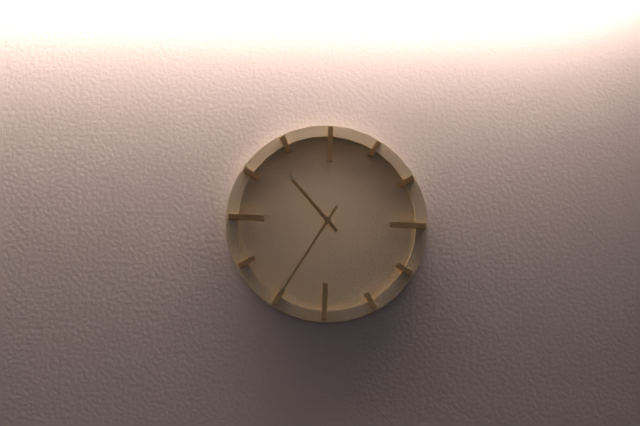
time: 10:35
